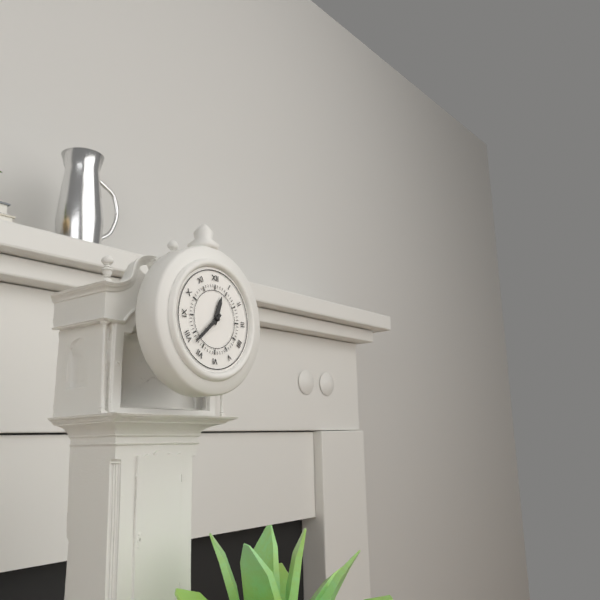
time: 12:38
